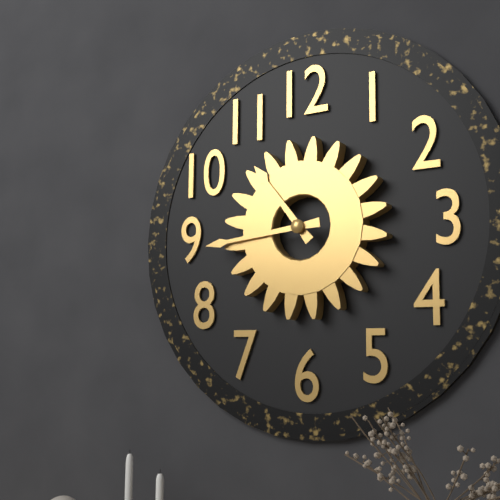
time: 10:44
